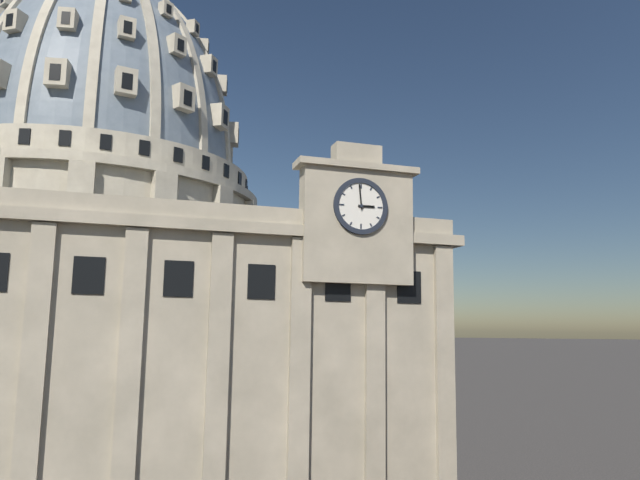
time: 2:59
